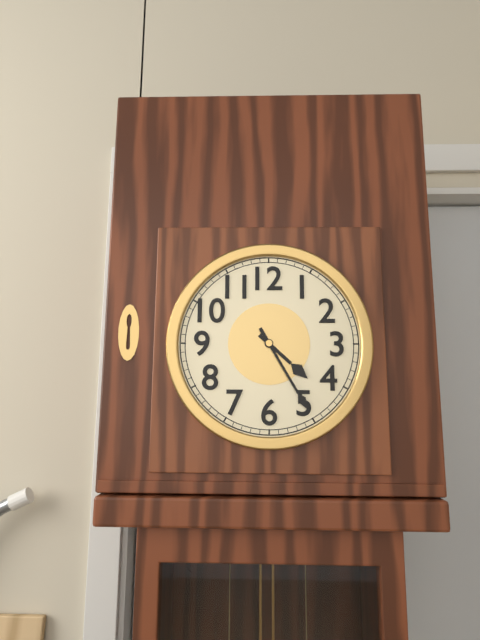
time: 4:25
